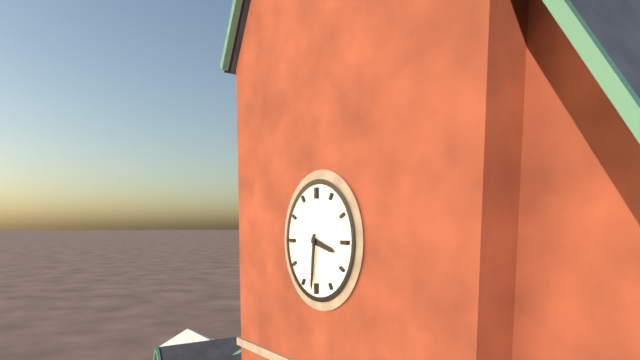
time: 3:31
